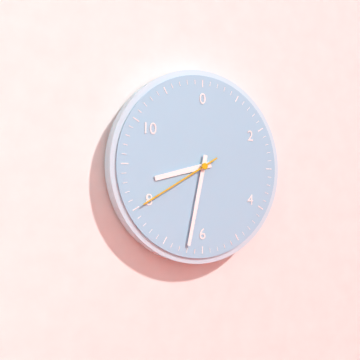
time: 8:32:40
